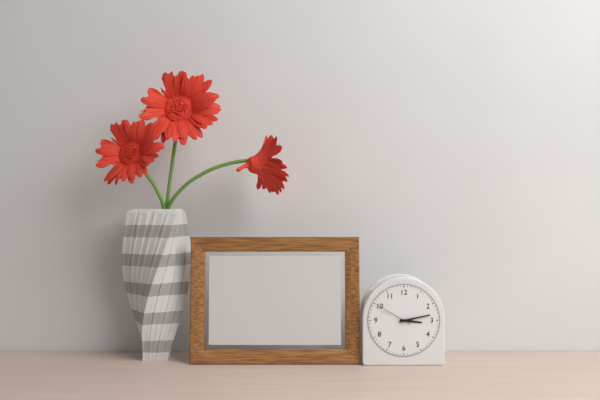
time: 3:13
